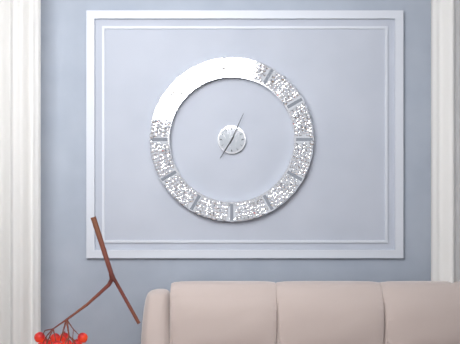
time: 7:04
